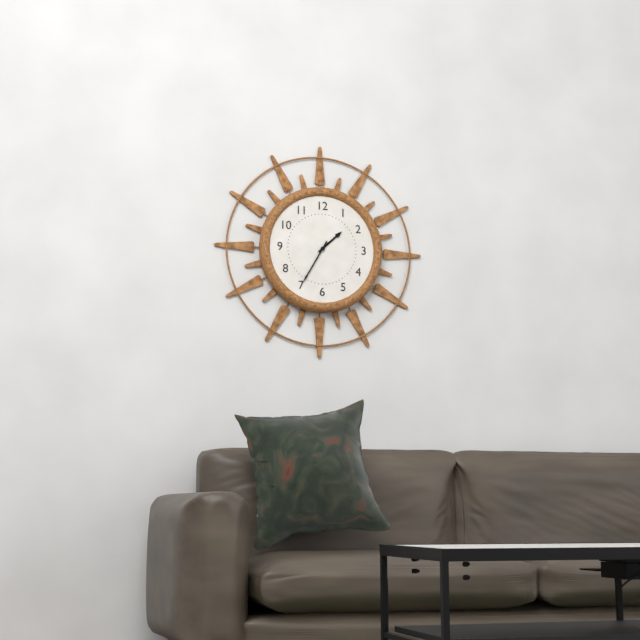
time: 1:35
